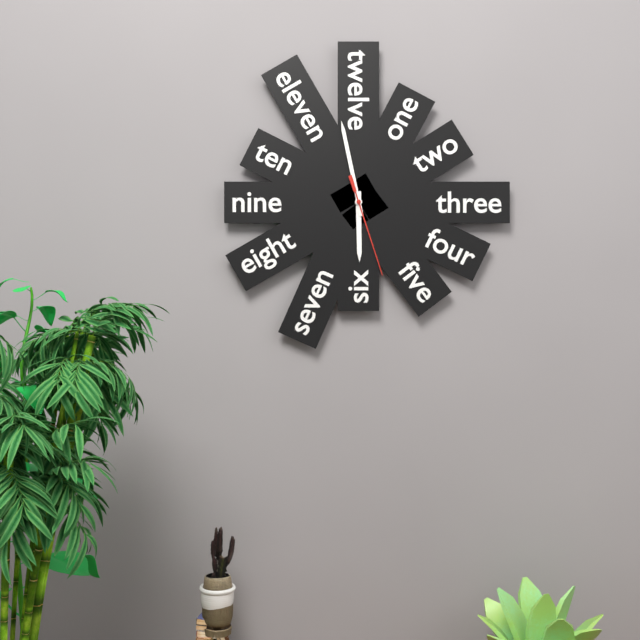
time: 5:58:27
